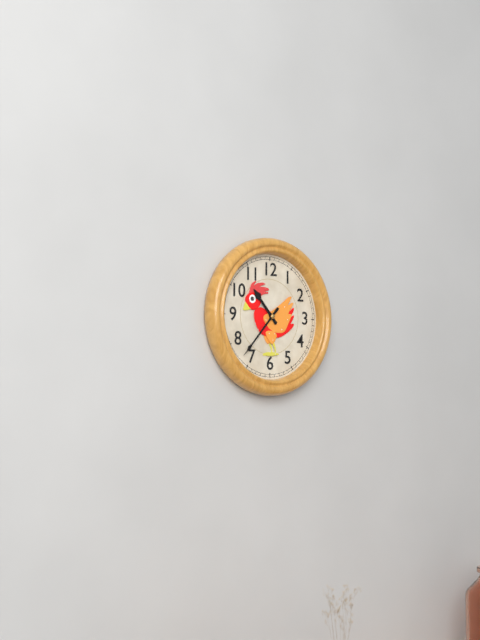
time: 10:37
